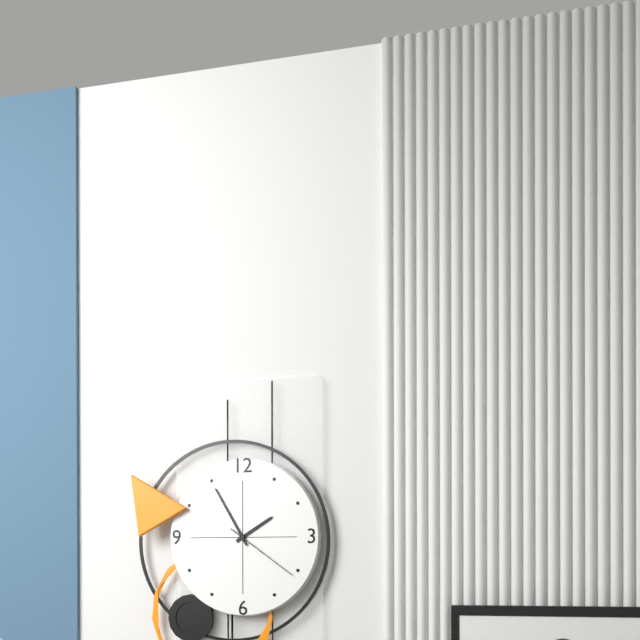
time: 1:55:21
